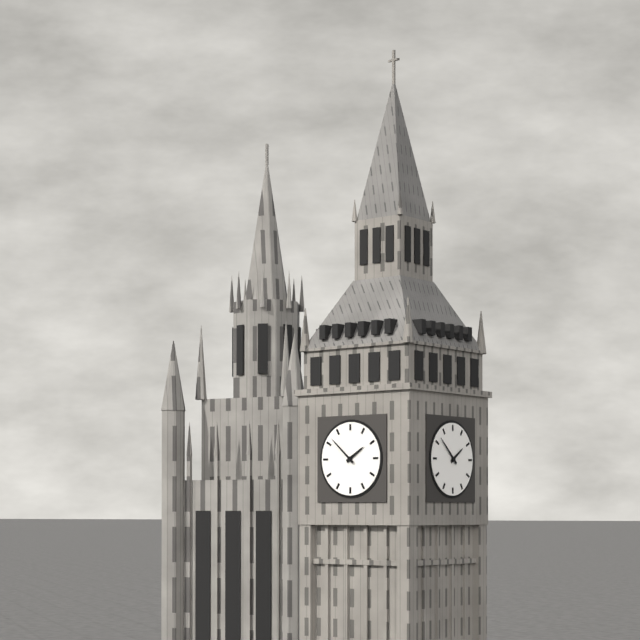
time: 1:52
